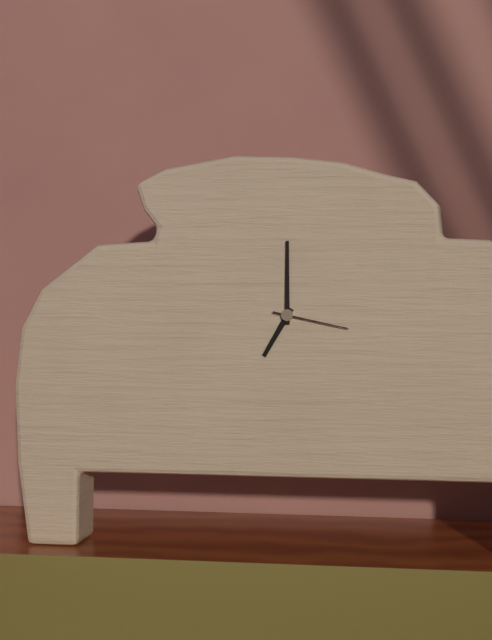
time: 7:00:17
